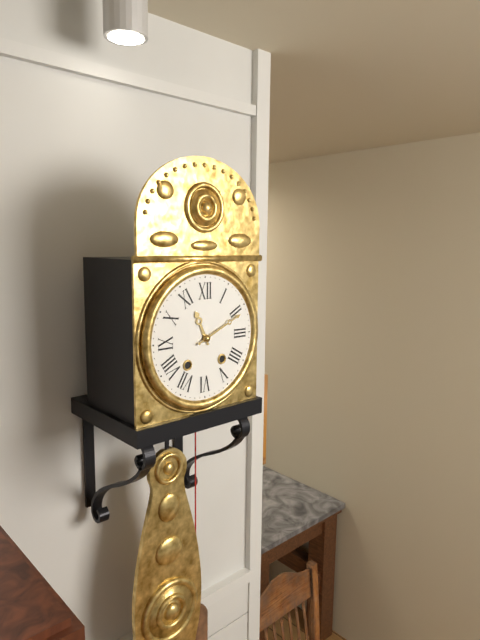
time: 11:11
